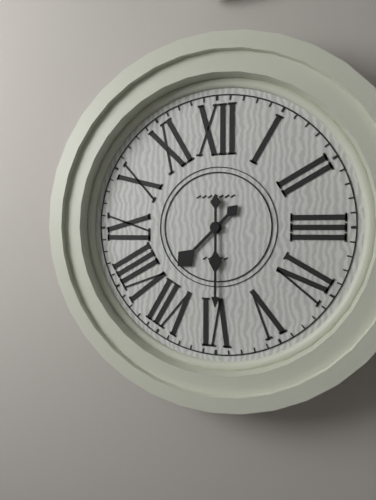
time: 7:30
